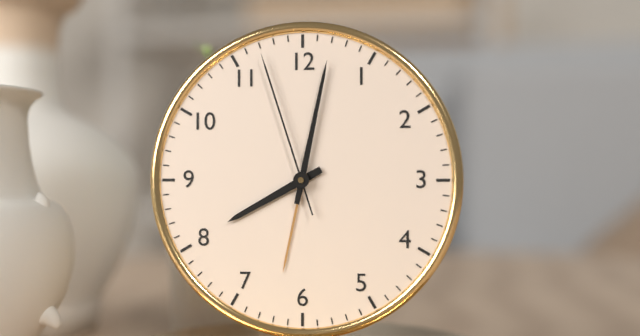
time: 8:02:57
